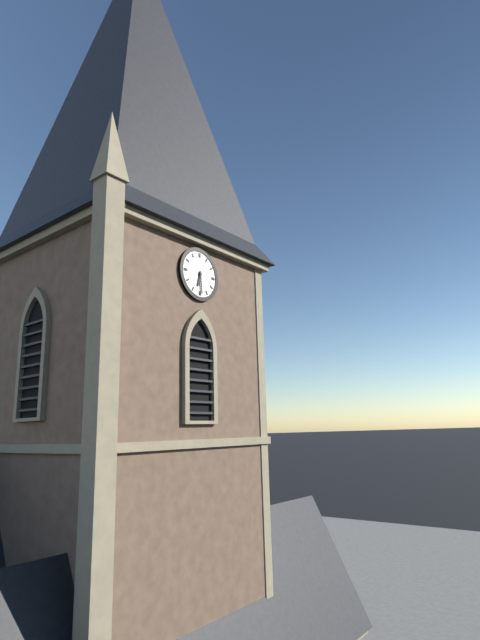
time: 6:29
